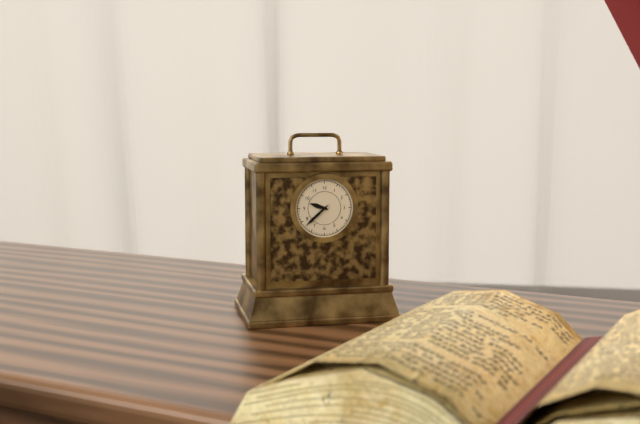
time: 9:38
